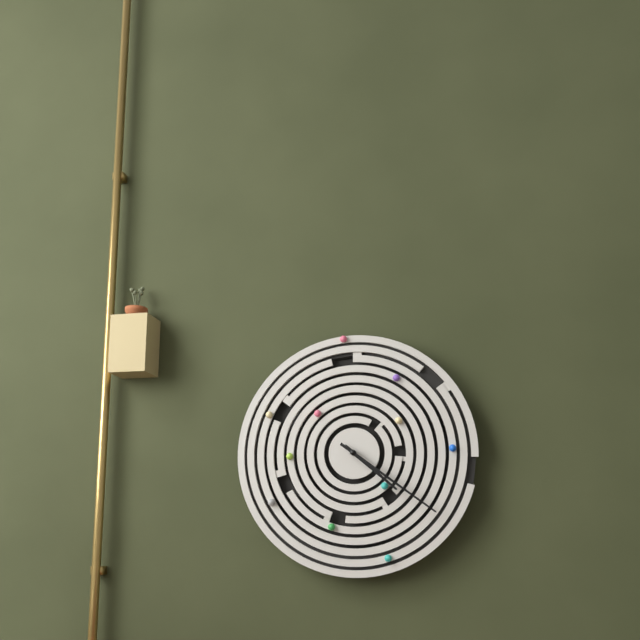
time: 4:21
